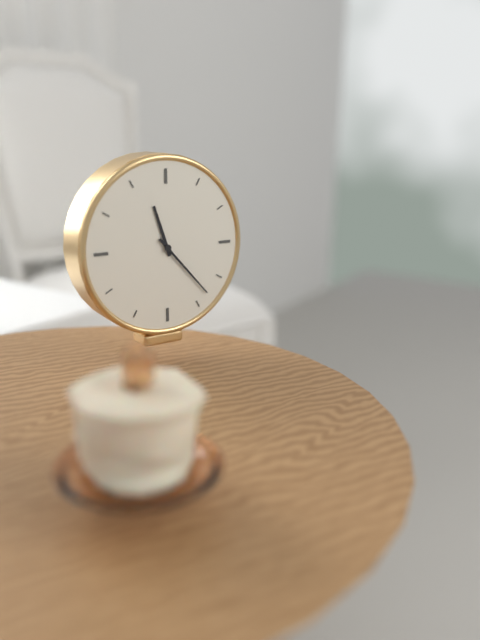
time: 11:23
